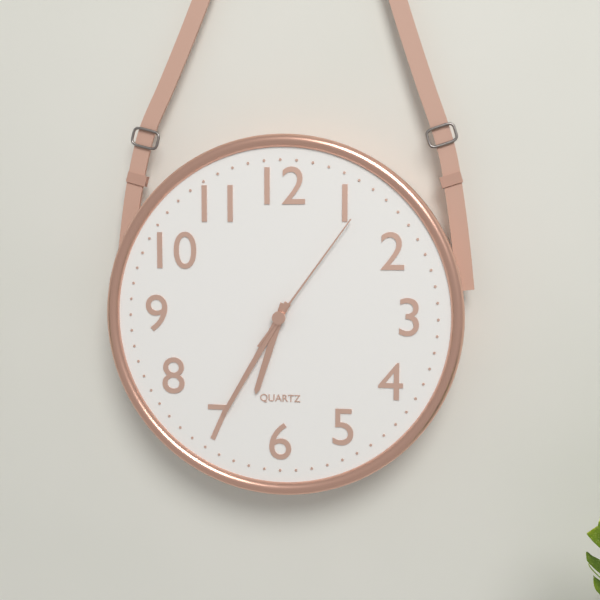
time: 6:35:06
